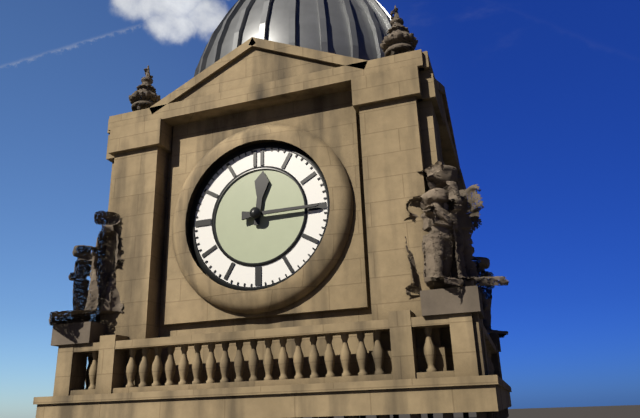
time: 12:15
